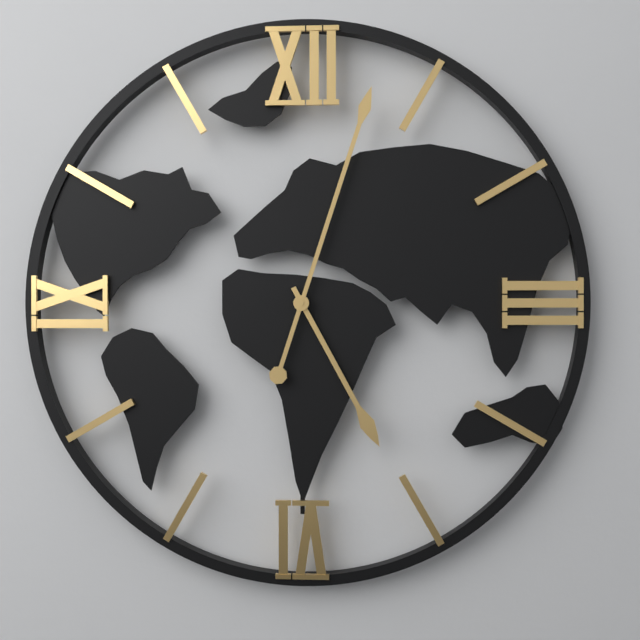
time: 5:03
